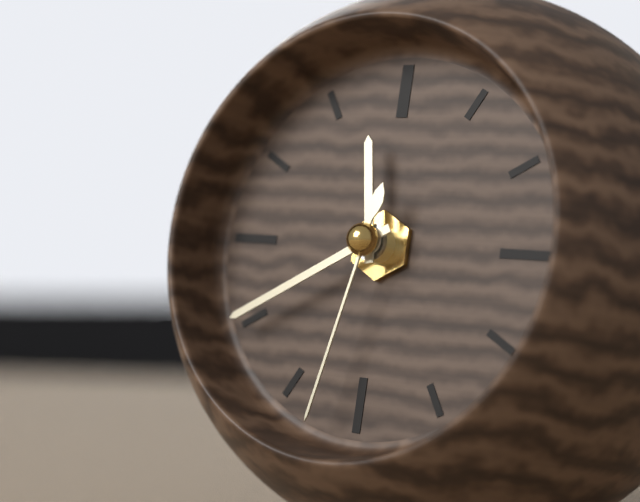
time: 11:40:32
